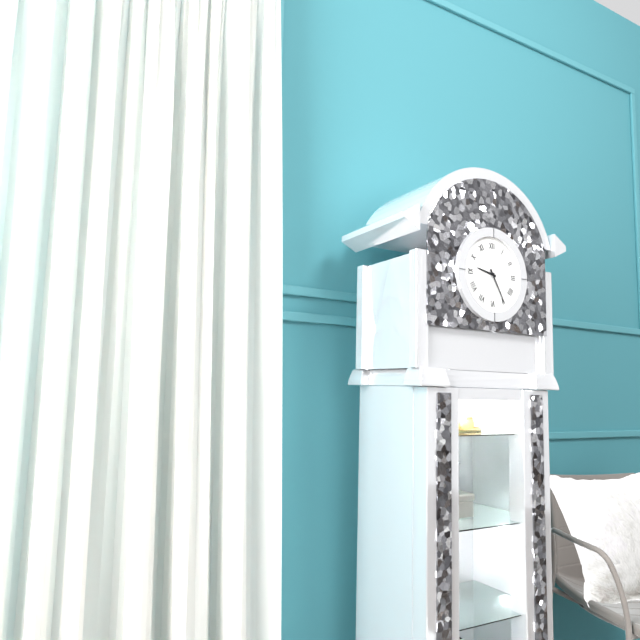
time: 9:25
